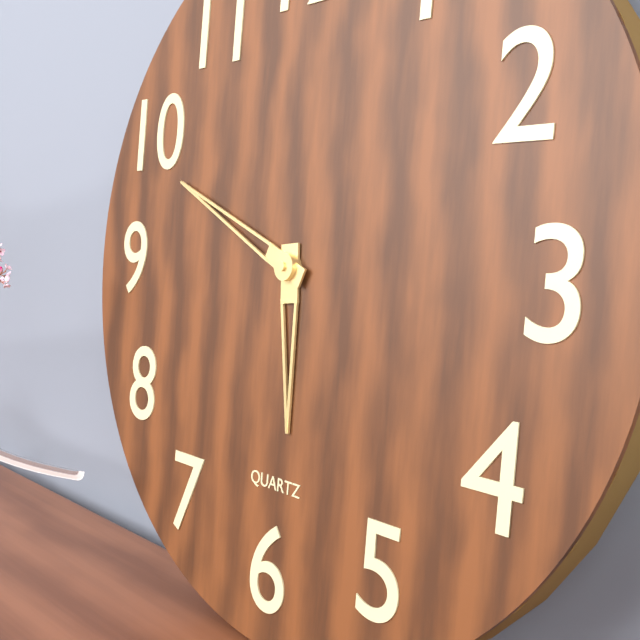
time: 5:49
